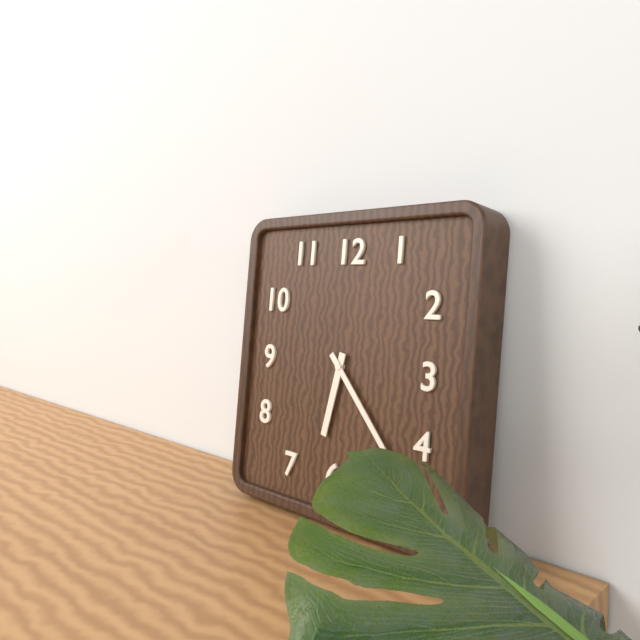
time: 6:23
